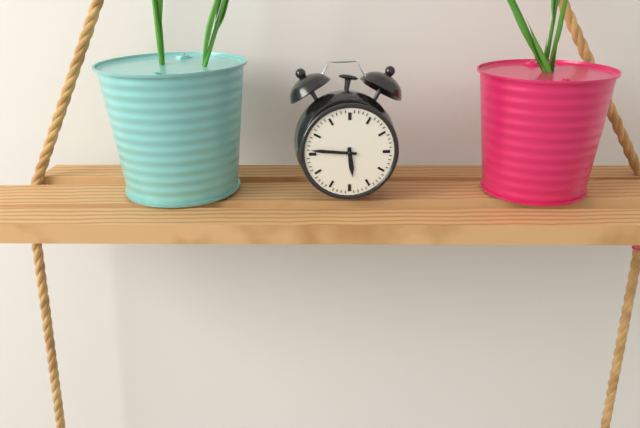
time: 5:46
